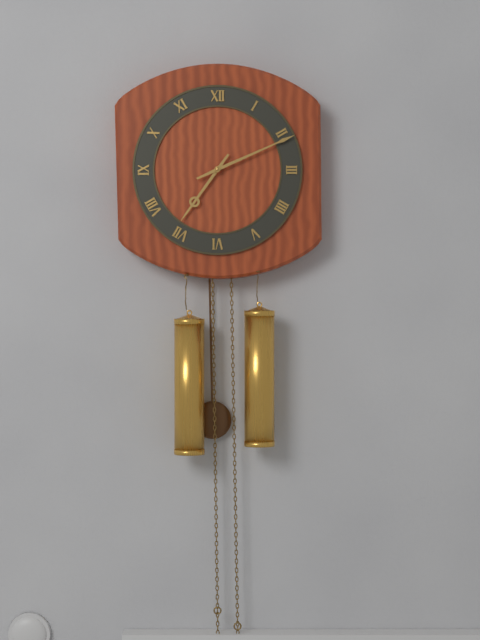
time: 7:11
